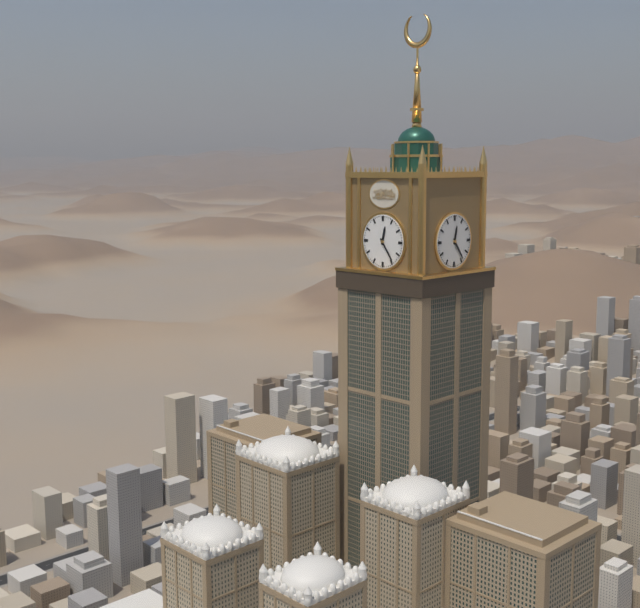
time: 12:24
